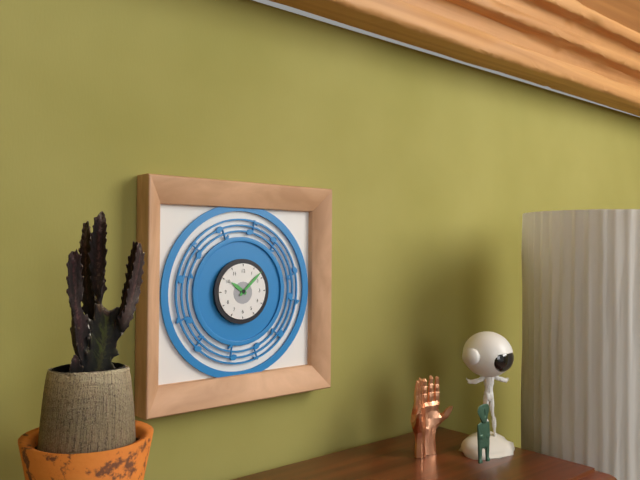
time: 10:08
